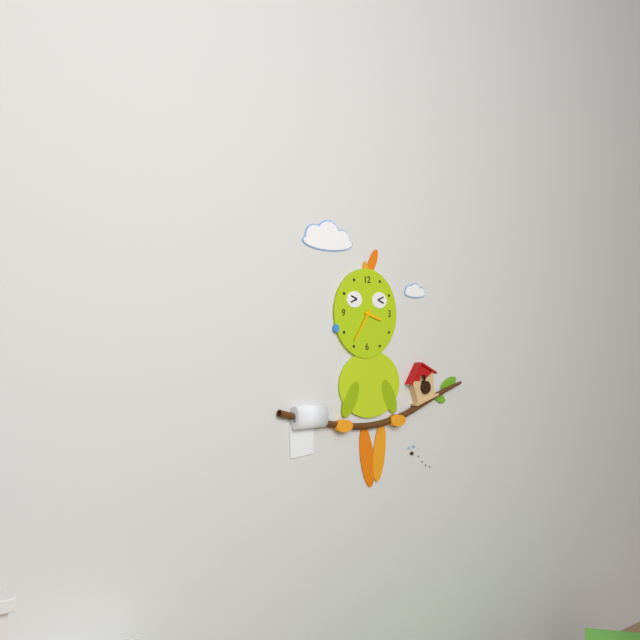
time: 3:36
